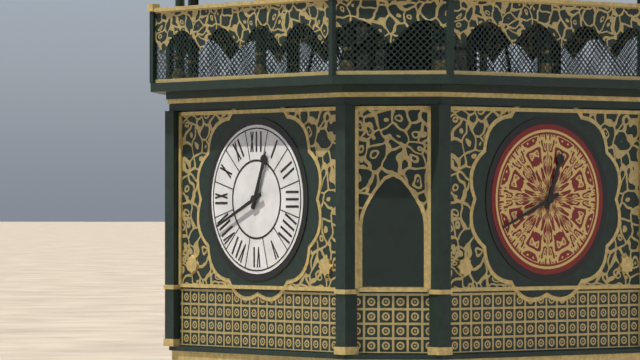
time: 12:41
